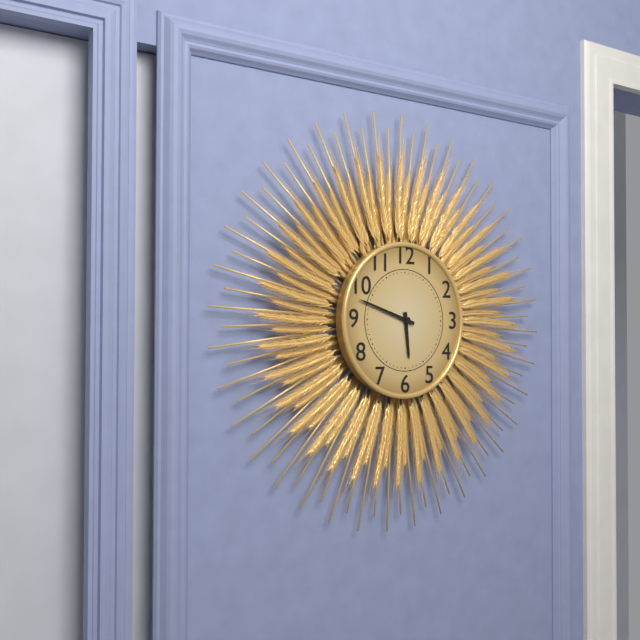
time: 5:48
